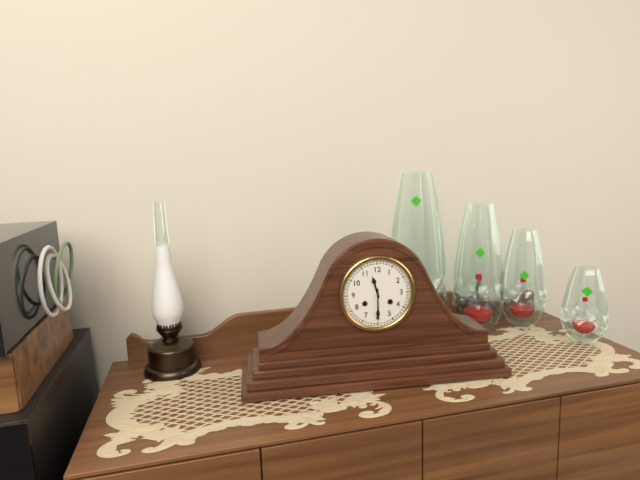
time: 11:30
